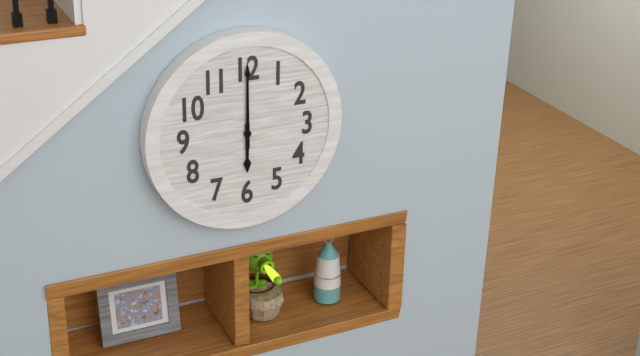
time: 6:00
